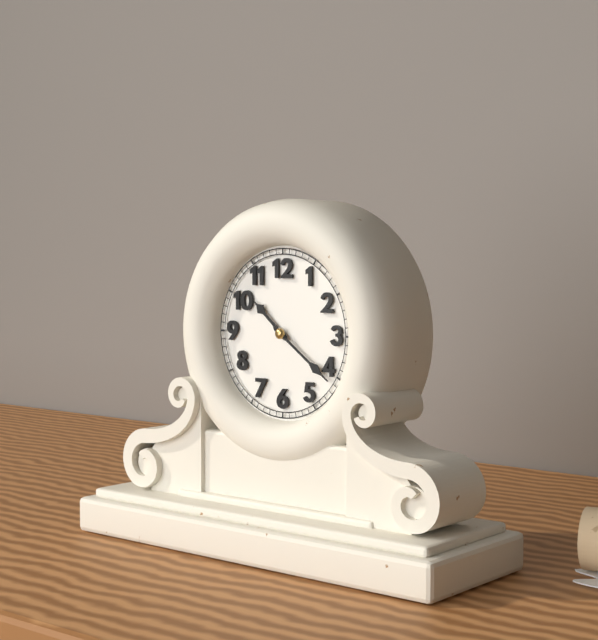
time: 10:21
